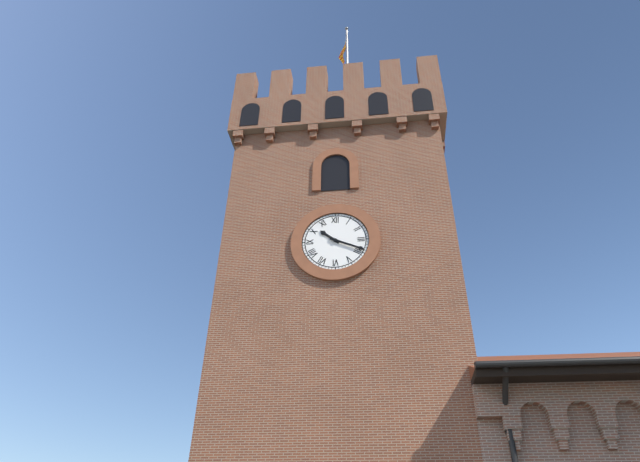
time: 10:19
